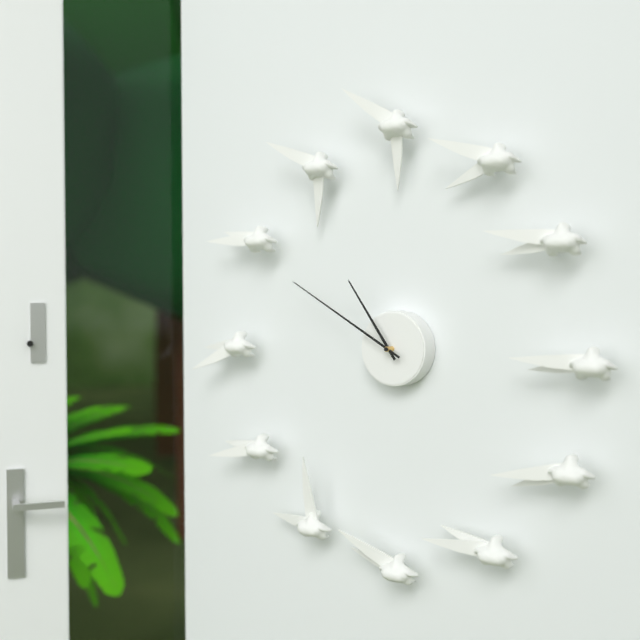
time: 10:50
